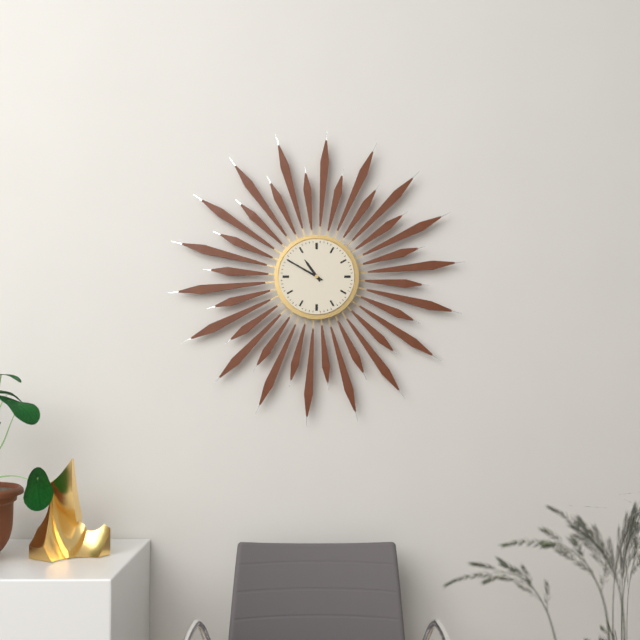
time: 10:50
